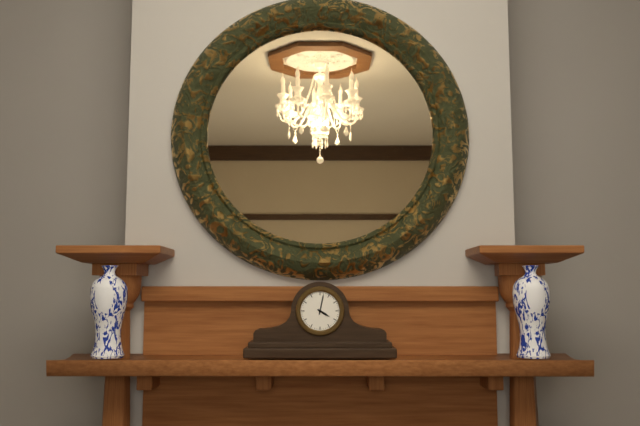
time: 4:02
